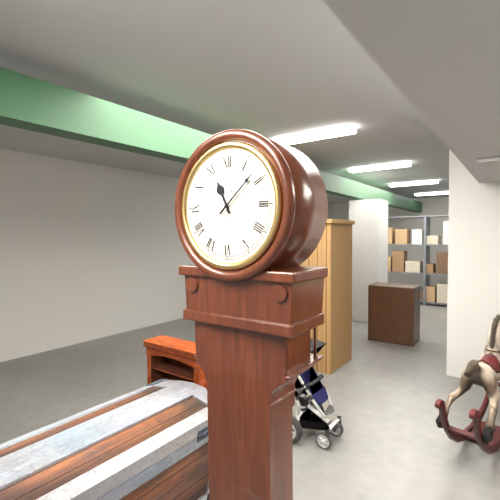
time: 11:08
